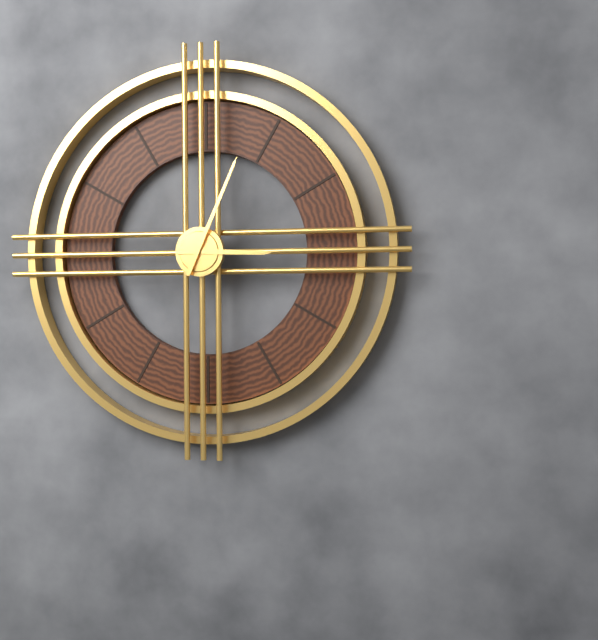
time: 3:04
